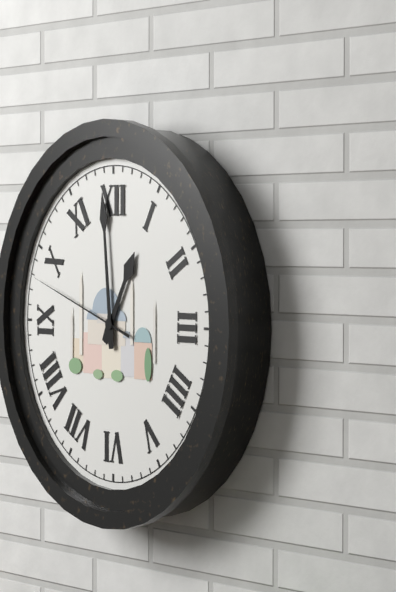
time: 12:59:48
